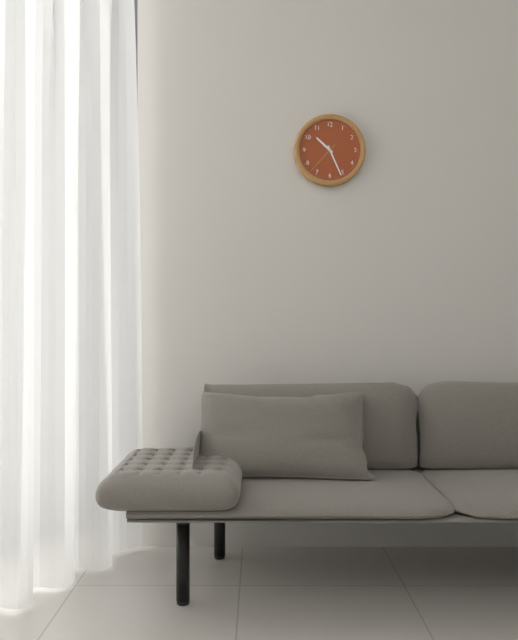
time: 10:26
